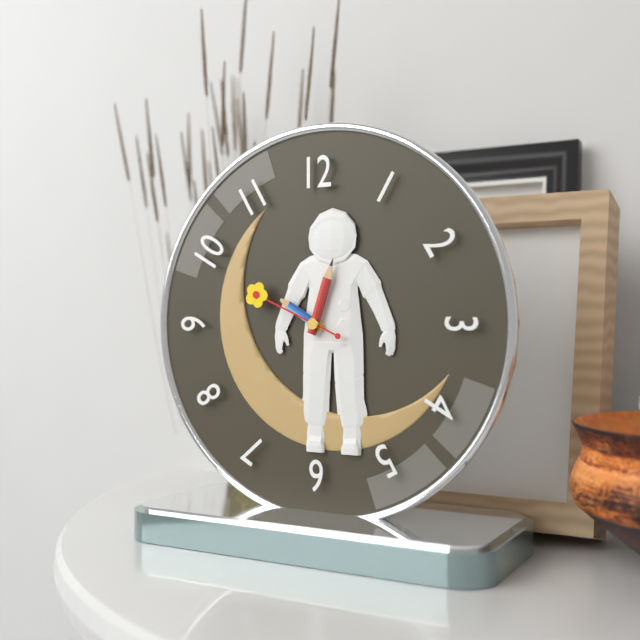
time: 10:03:49
